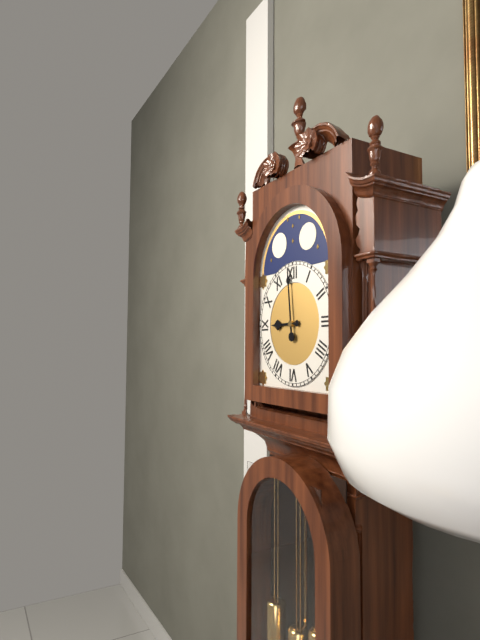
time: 8:59
